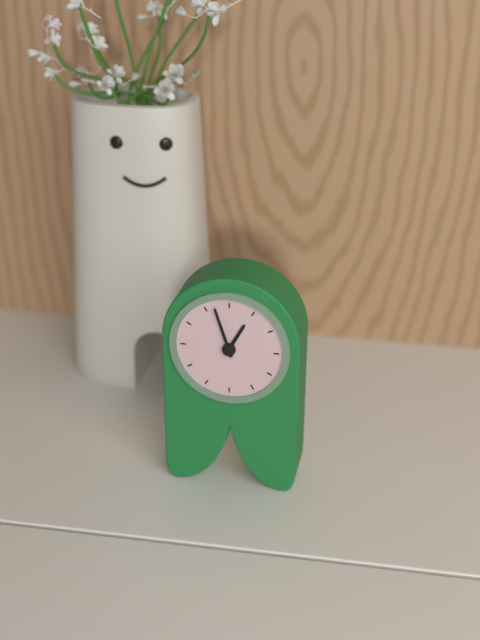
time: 12:57
